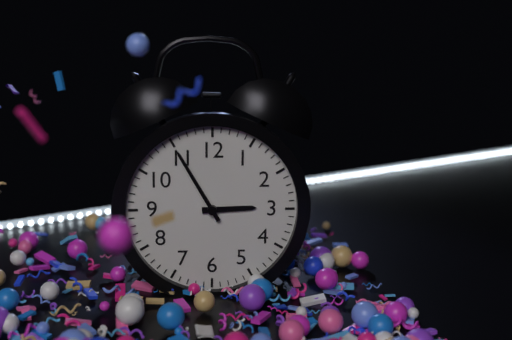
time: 2:55
